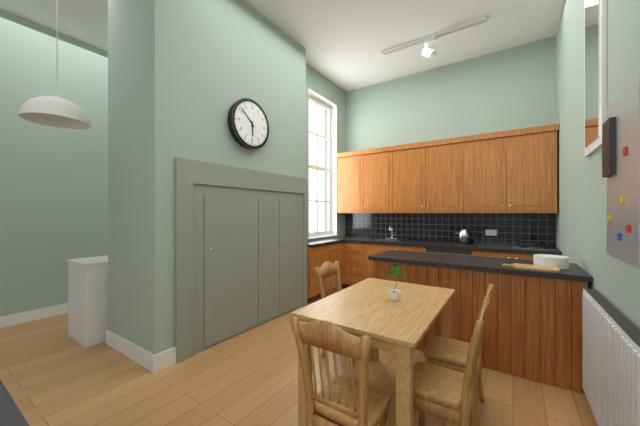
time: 5:52
